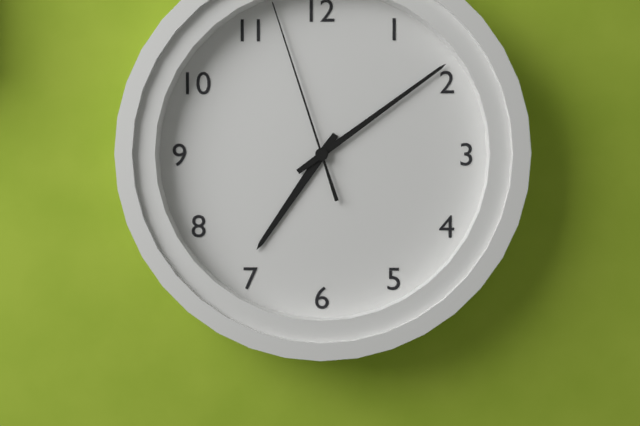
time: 7:09:57
